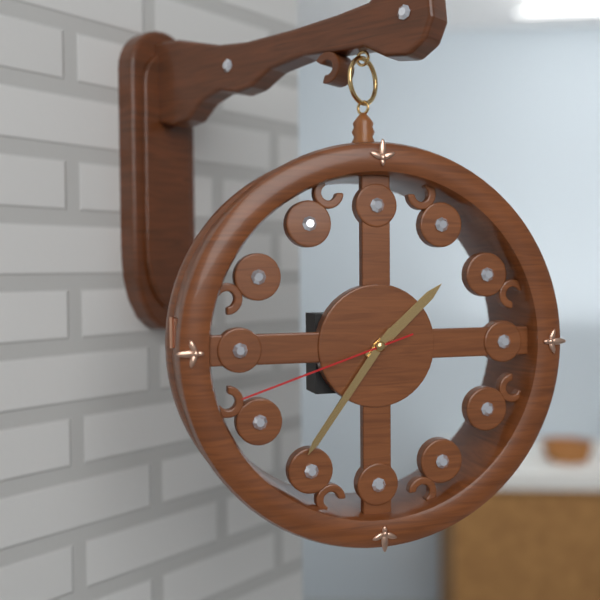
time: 1:36:42
